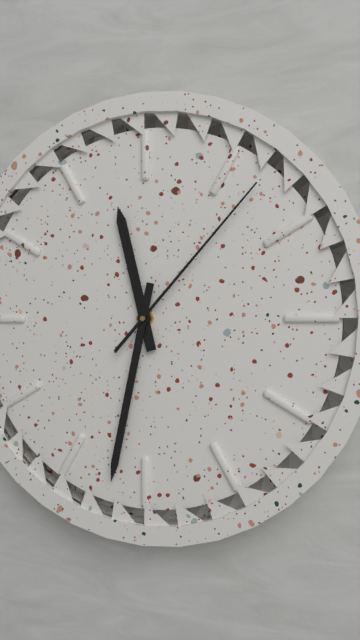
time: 11:32:07
